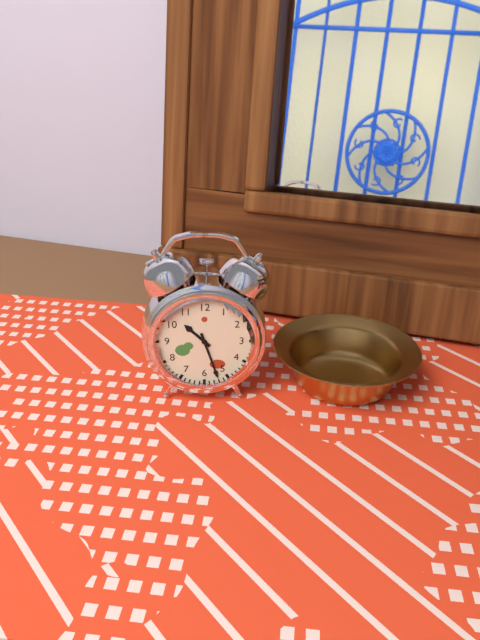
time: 10:27
